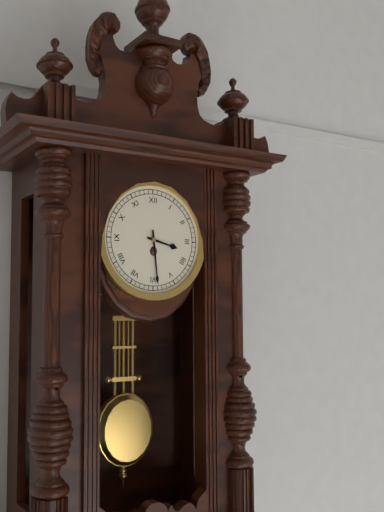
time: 3:29
